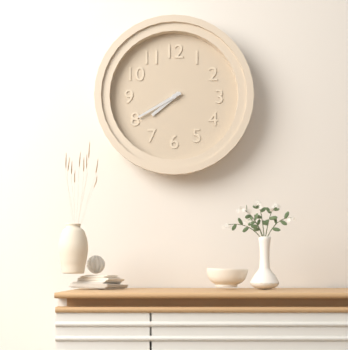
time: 7:40
